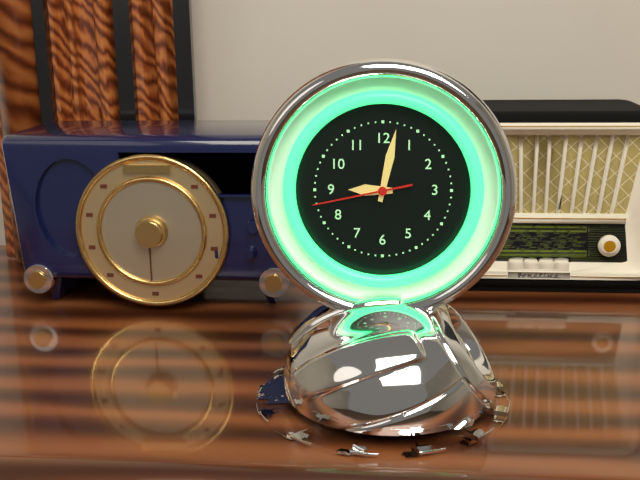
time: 9:02:43
